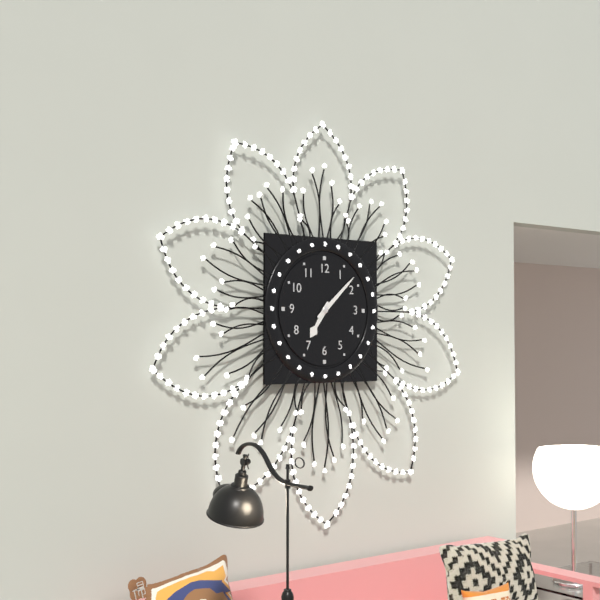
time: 7:08
